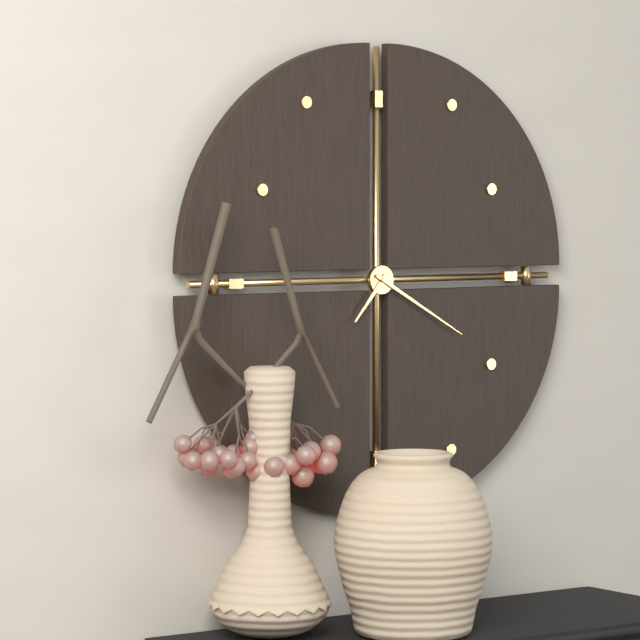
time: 7:20
